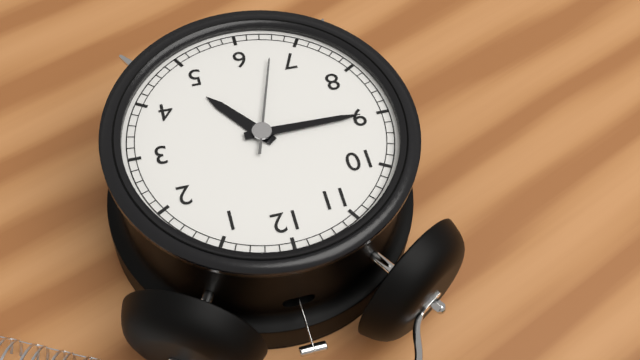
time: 4:45:33
